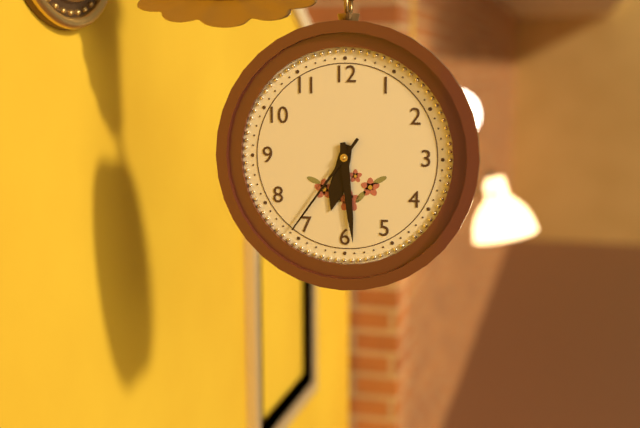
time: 6:29:36
